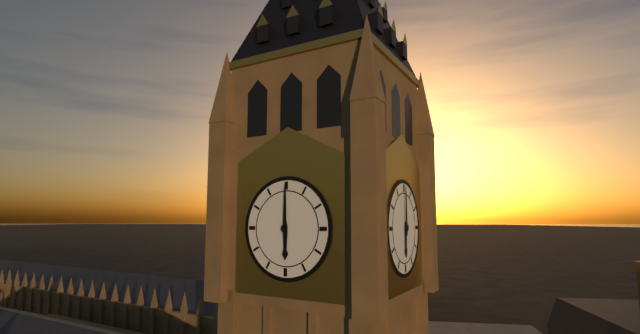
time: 6:00
